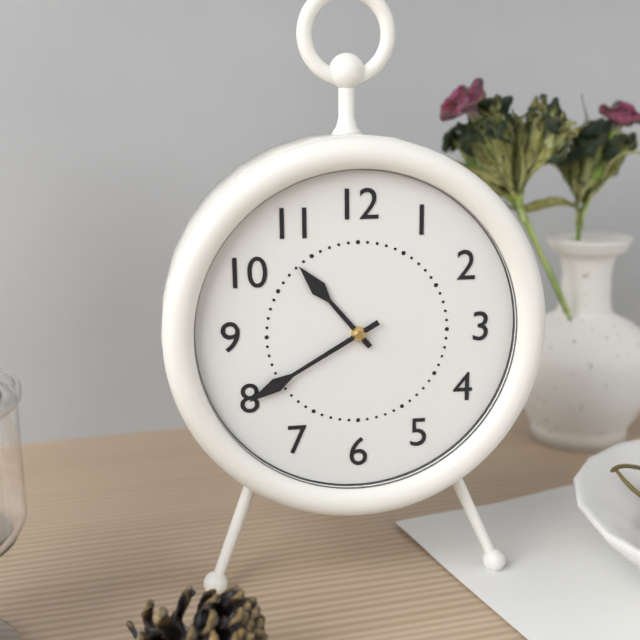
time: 10:40
